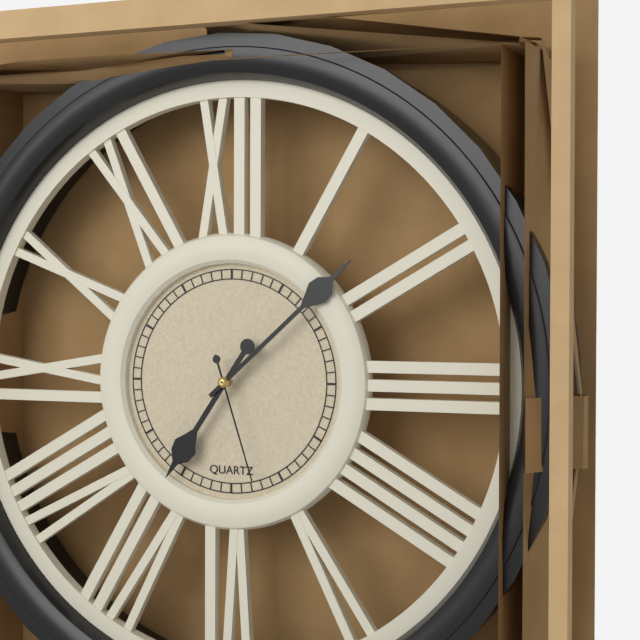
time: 7:08:27
